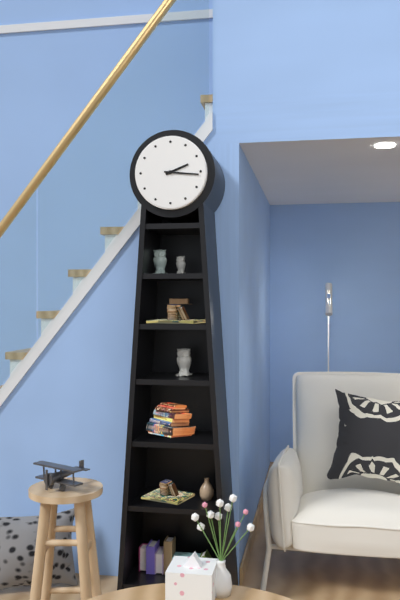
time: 2:16
